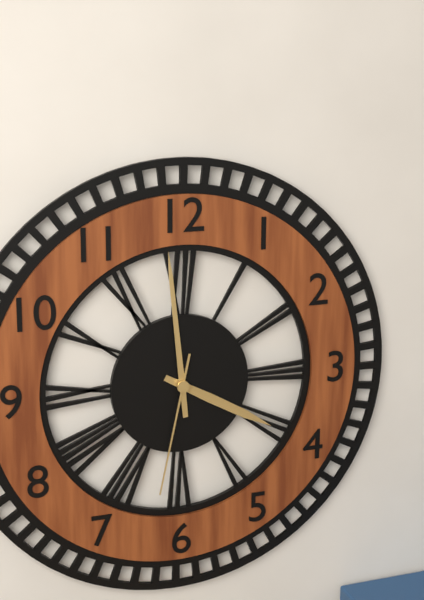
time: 3:59:32
